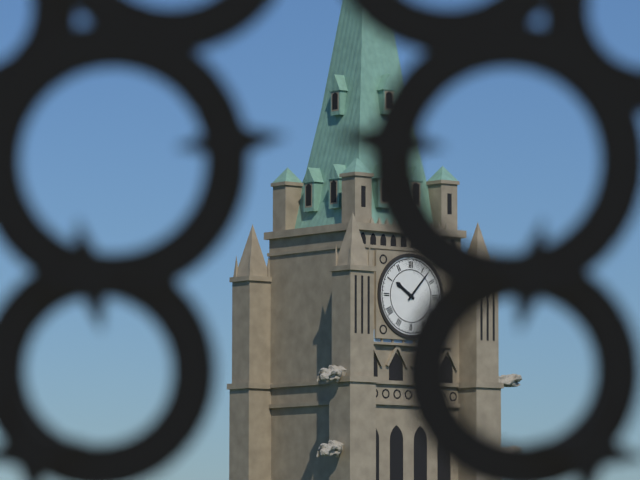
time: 10:07
